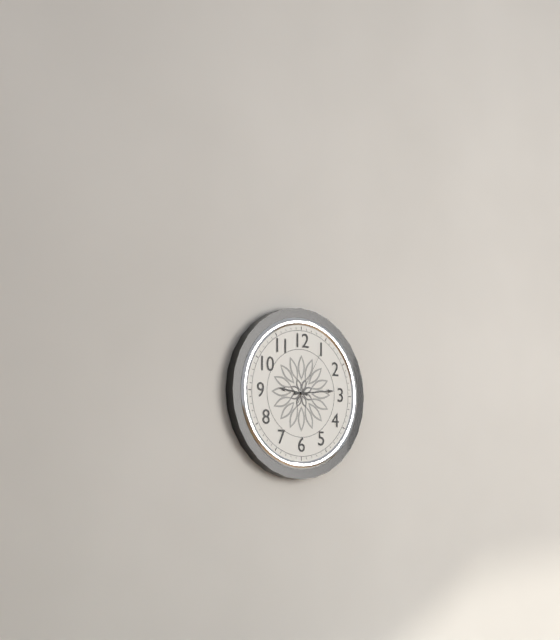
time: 9:14:05
